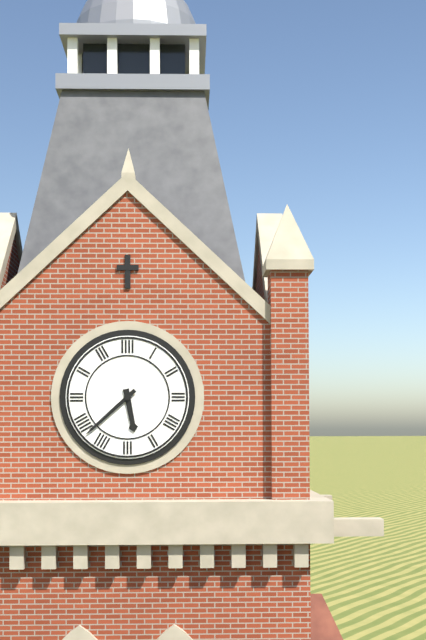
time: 5:38
